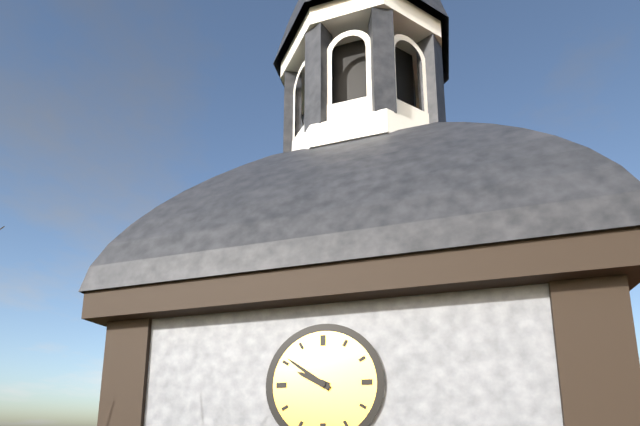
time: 9:51
